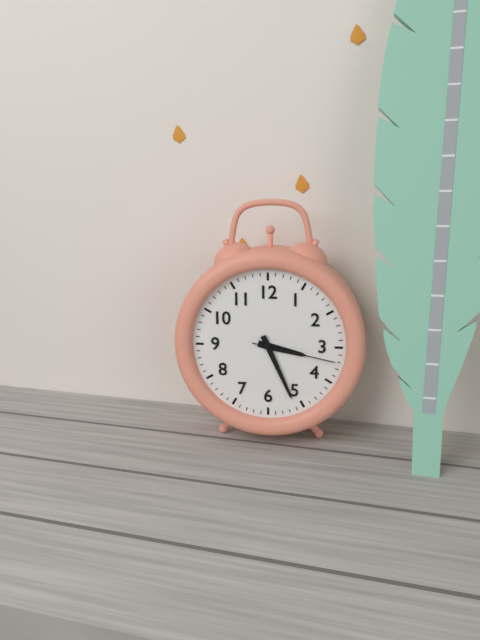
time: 3:26:17
